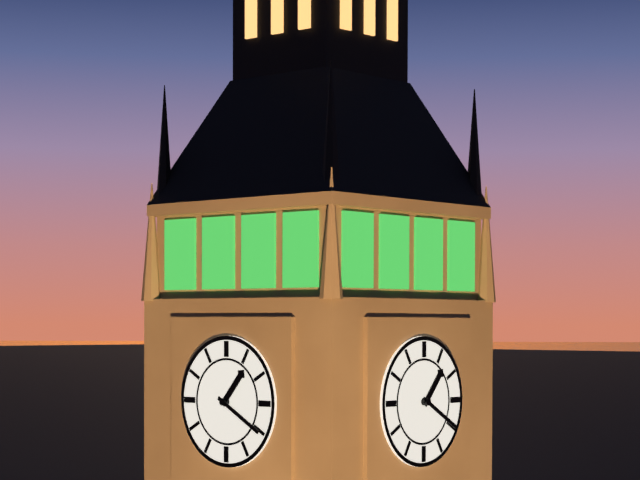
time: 1:20
